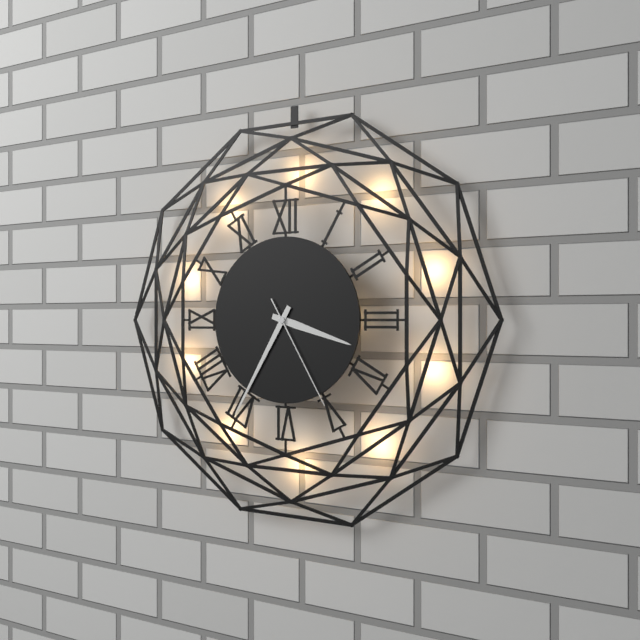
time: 3:35:25
